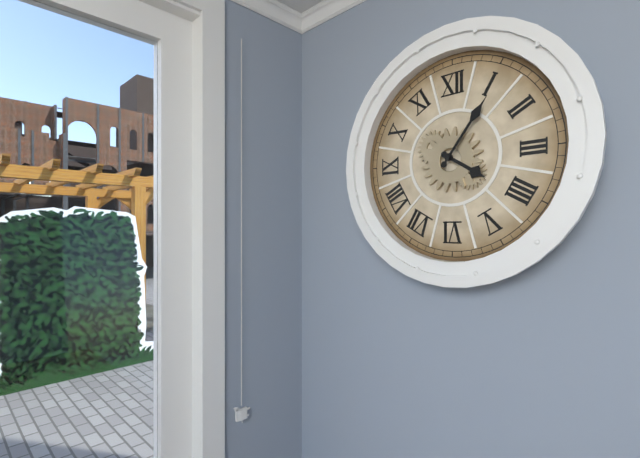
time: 4:06
